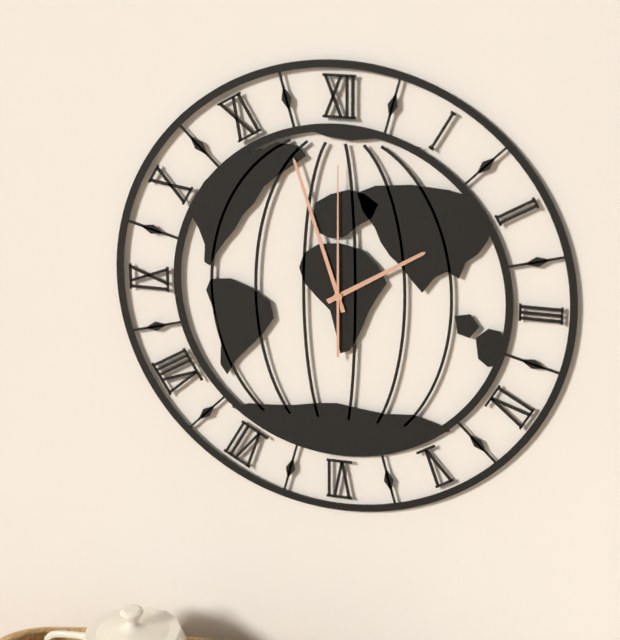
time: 1:57:00
